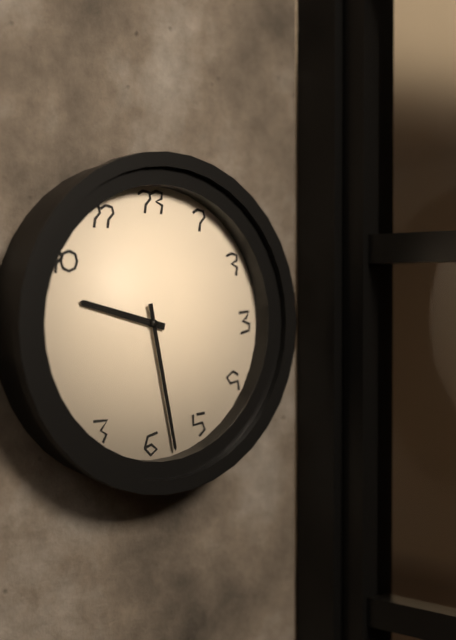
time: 9:28
